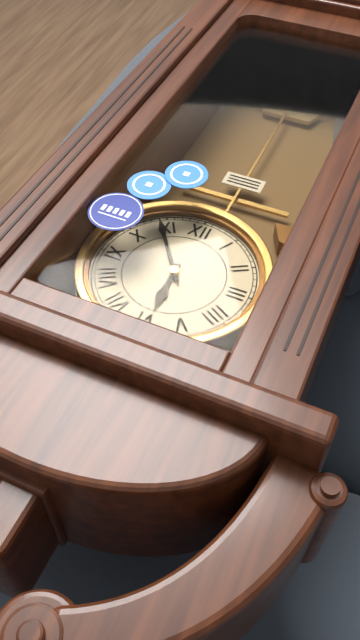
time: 5:54
